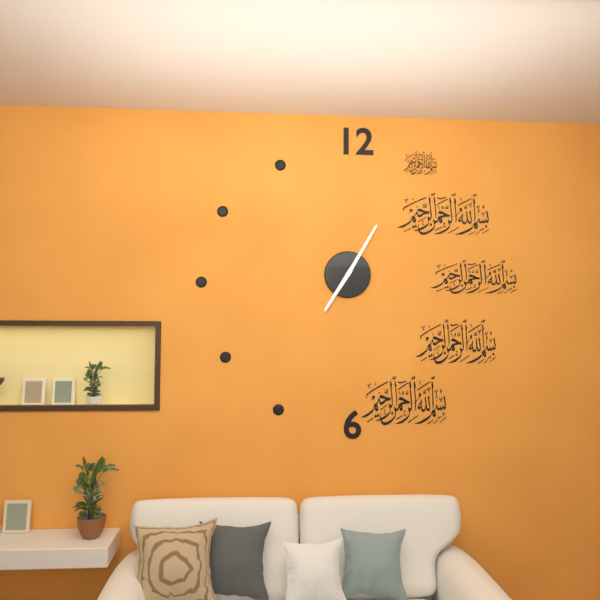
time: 7:05
